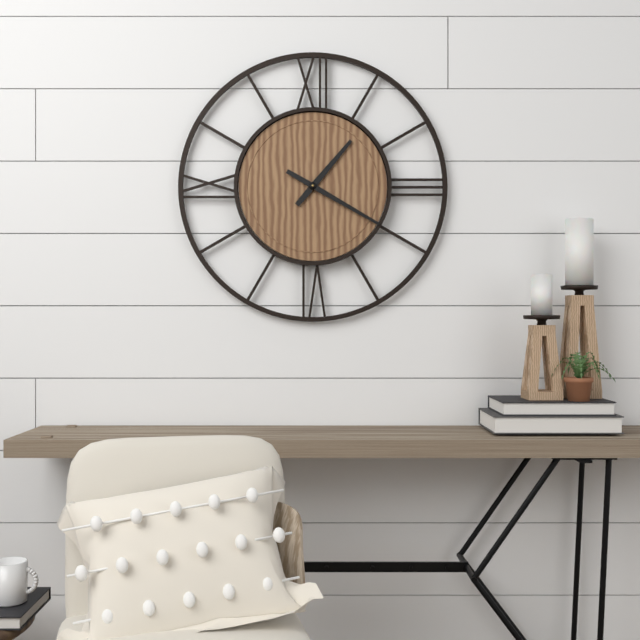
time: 1:20
